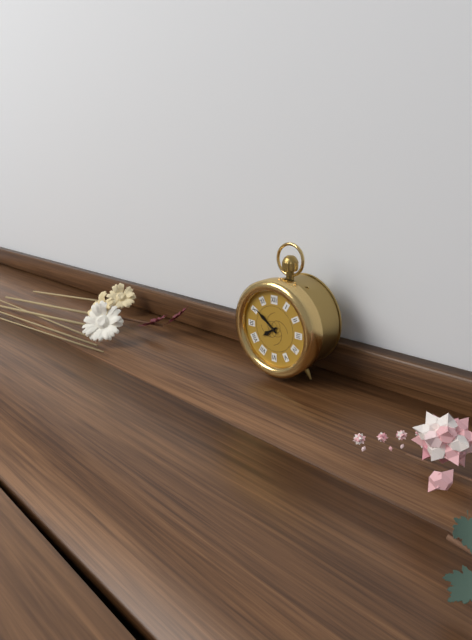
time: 7:51
